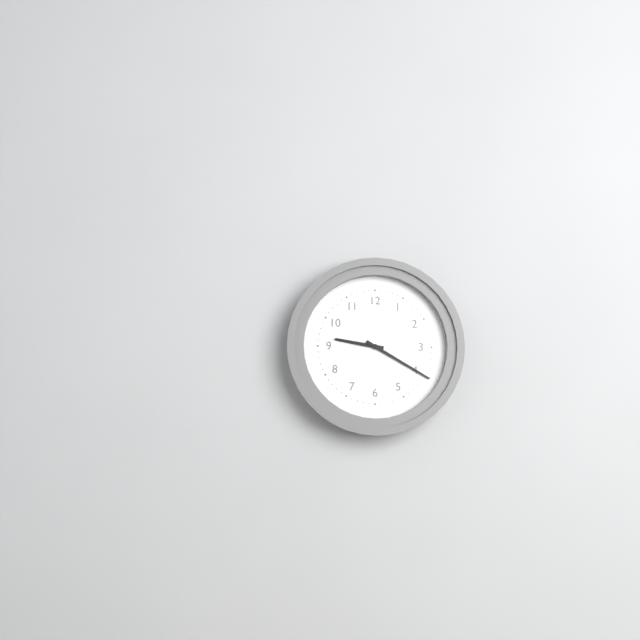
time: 9:20
